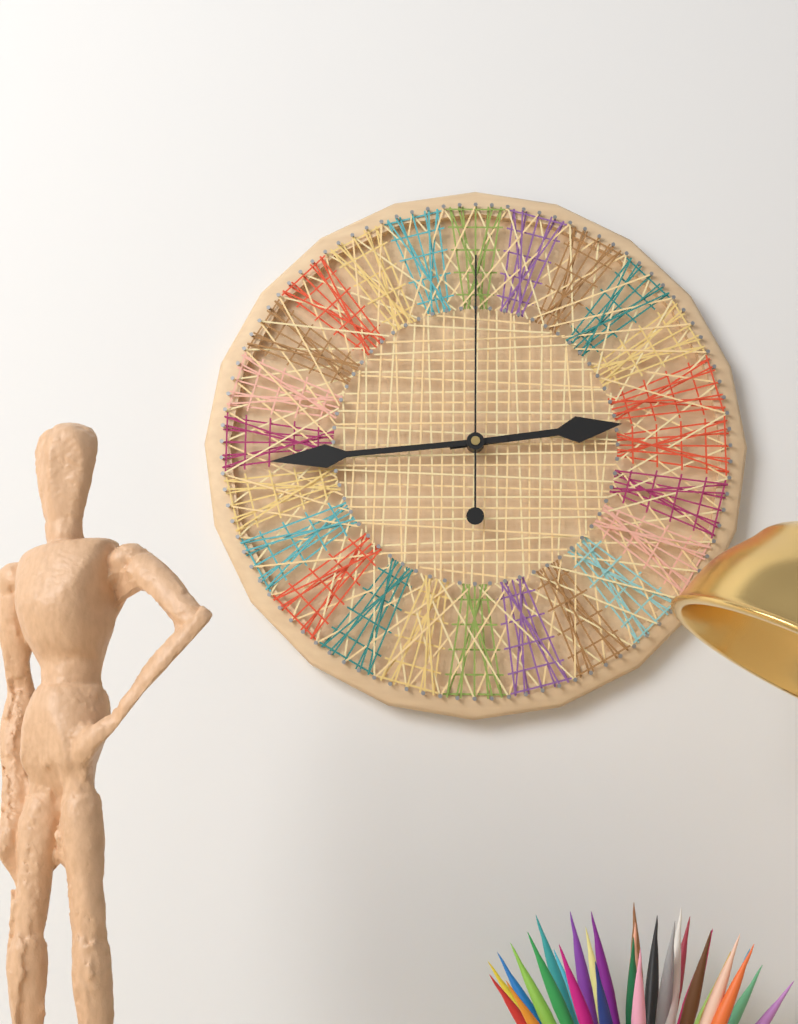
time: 2:44:00
